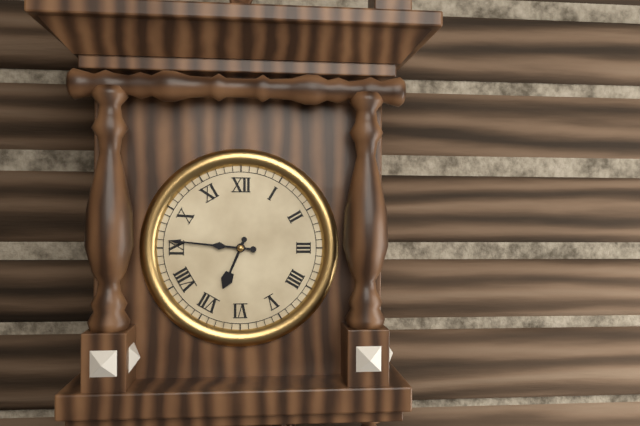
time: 6:46
